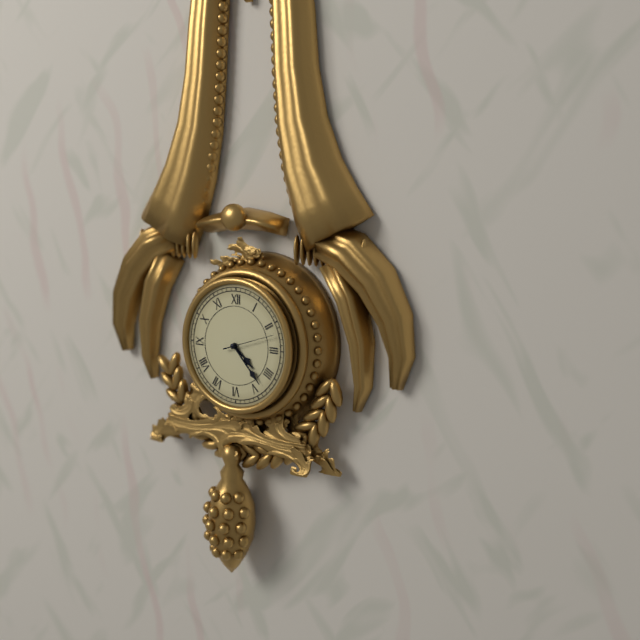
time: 4:23:12
